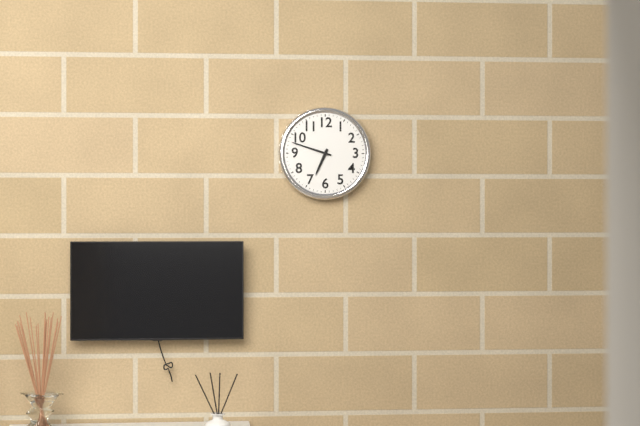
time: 6:48
